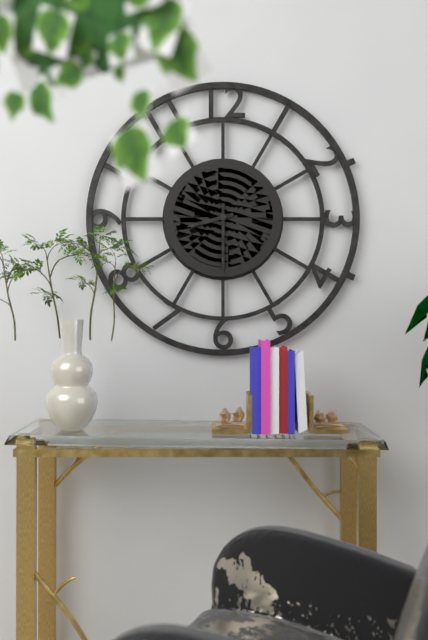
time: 8:30
